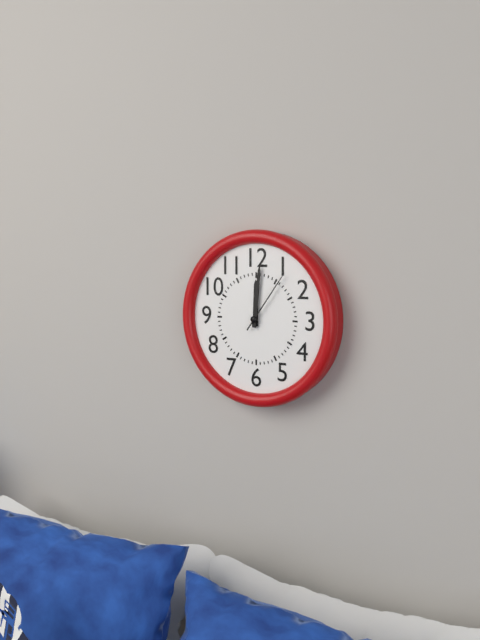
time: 12:01:06
